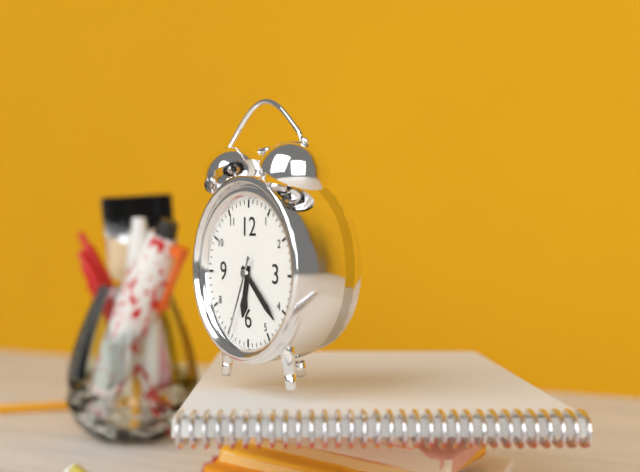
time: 6:22:34
